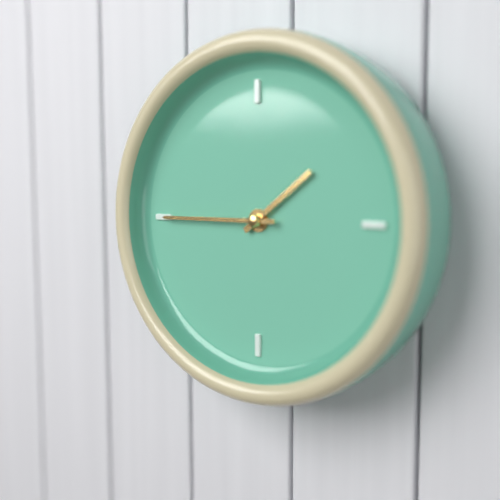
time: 1:45
